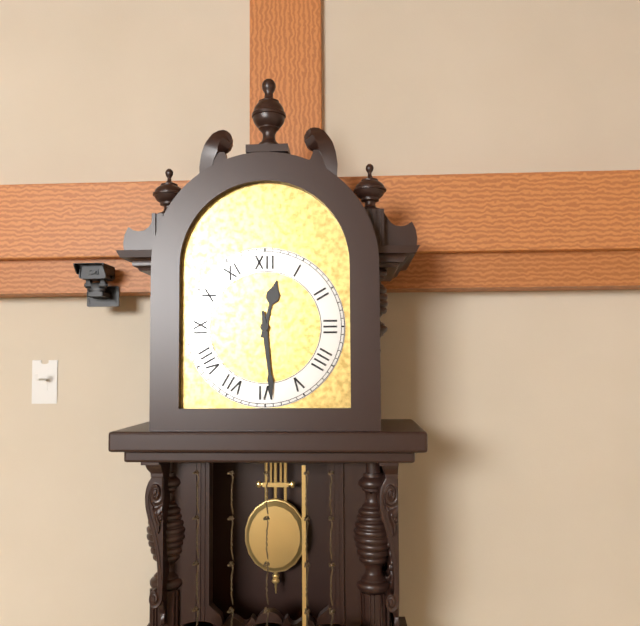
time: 12:29
